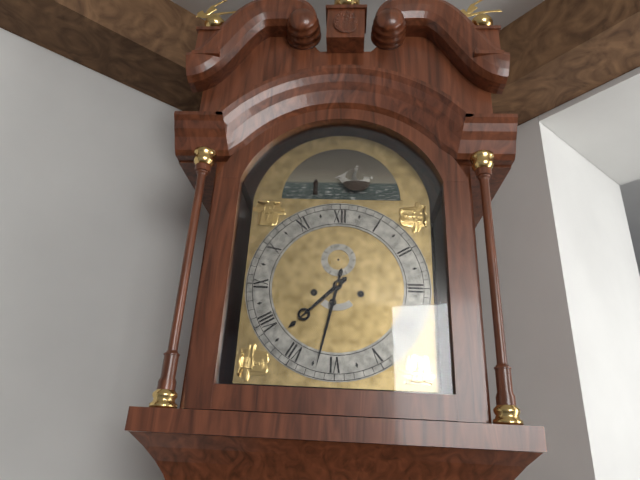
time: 7:32
